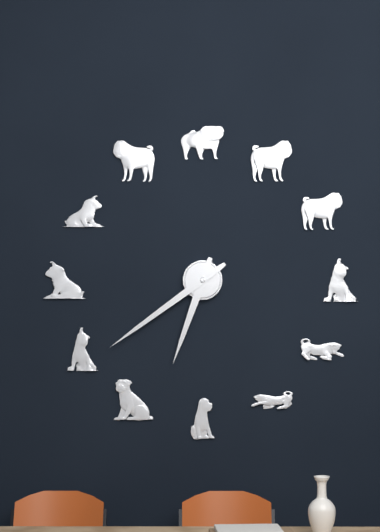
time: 6:39
